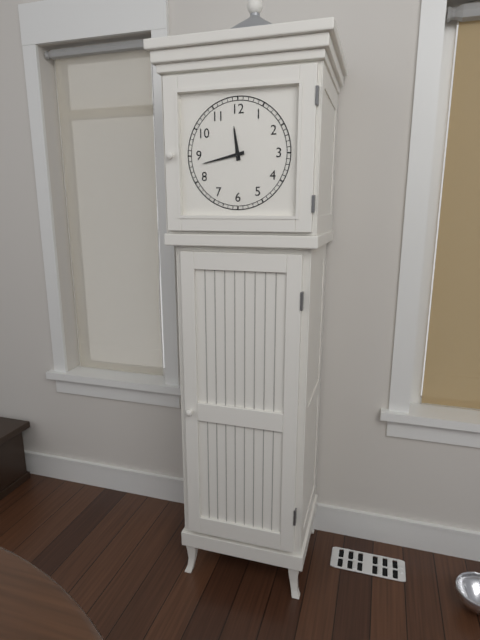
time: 11:43
